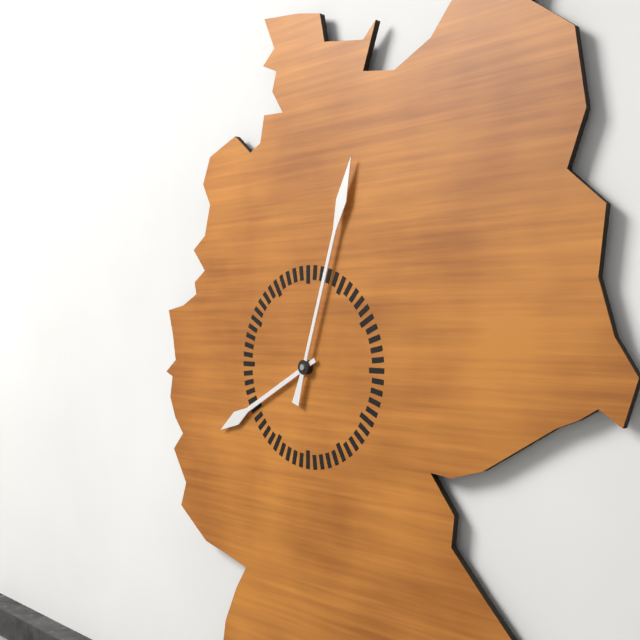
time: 8:03
